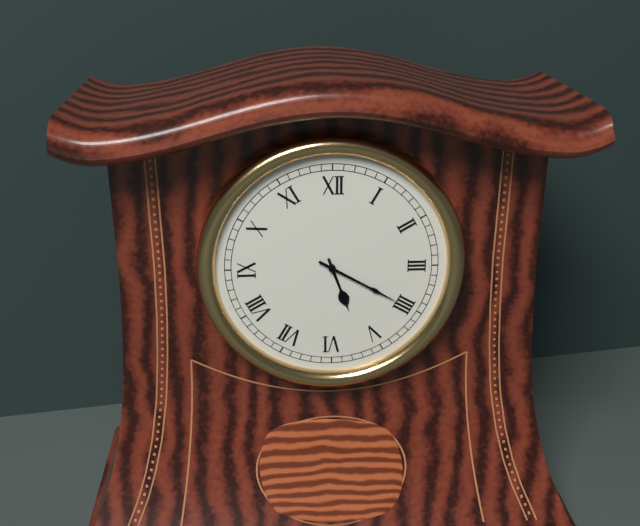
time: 5:20
